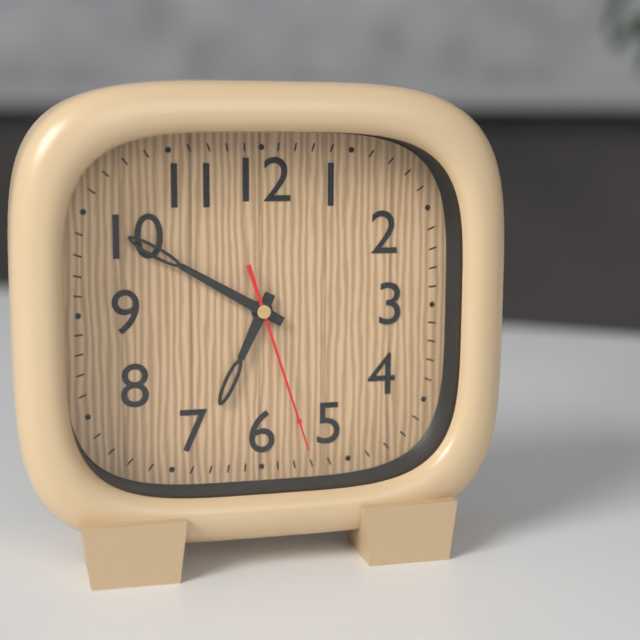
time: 6:50:27
